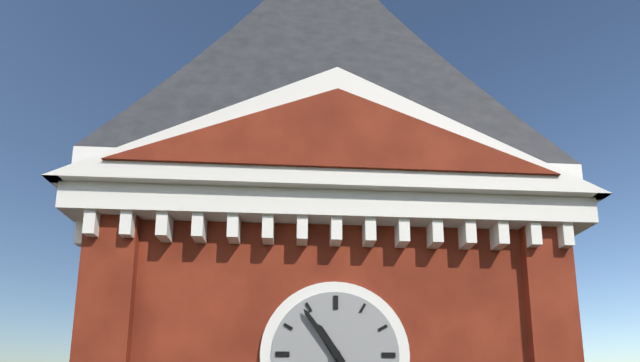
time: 10:54
